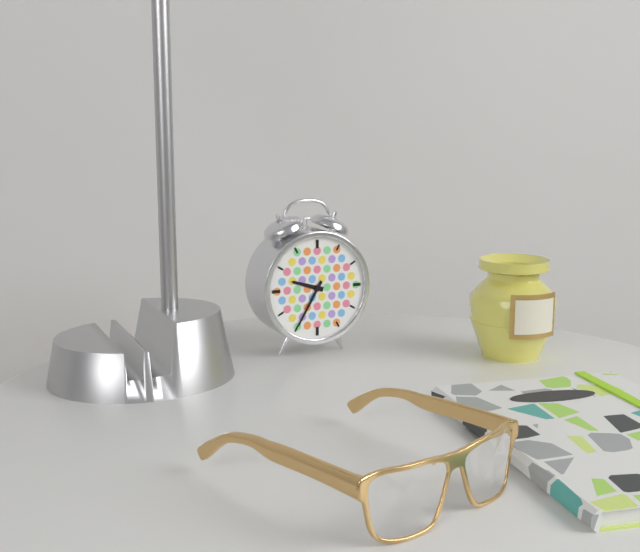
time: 9:35
